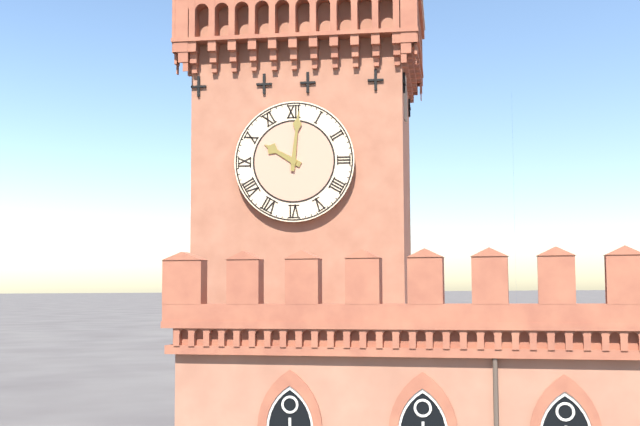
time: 10:01
